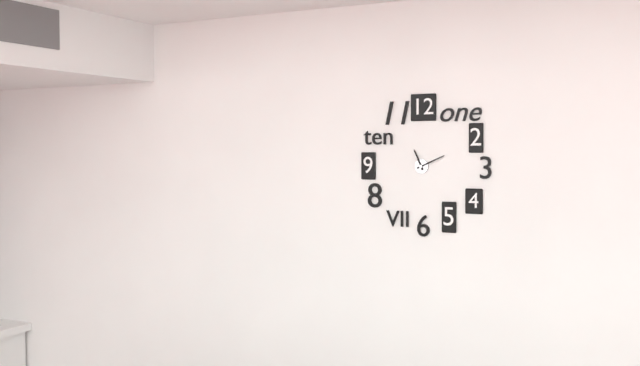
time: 11:11
